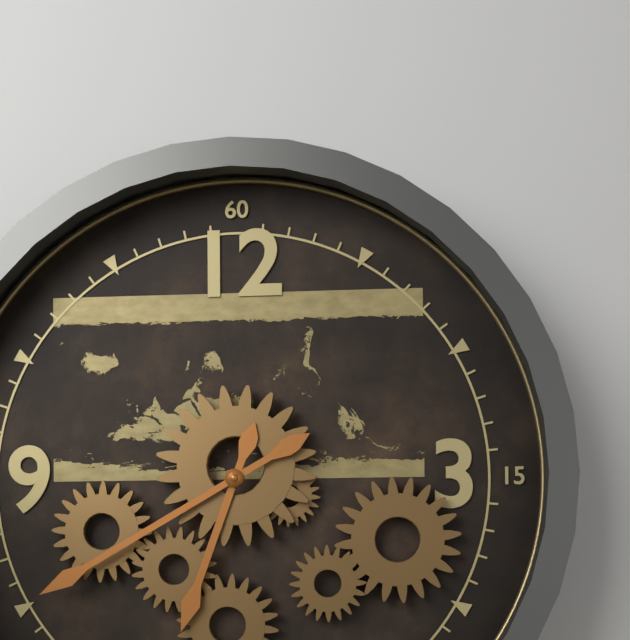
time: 6:40
